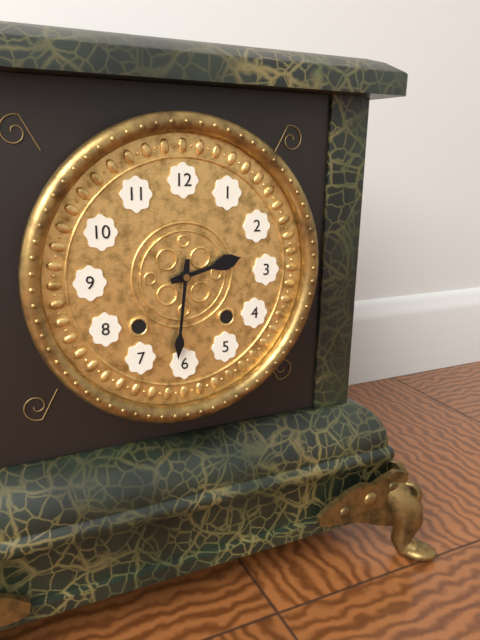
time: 2:31
